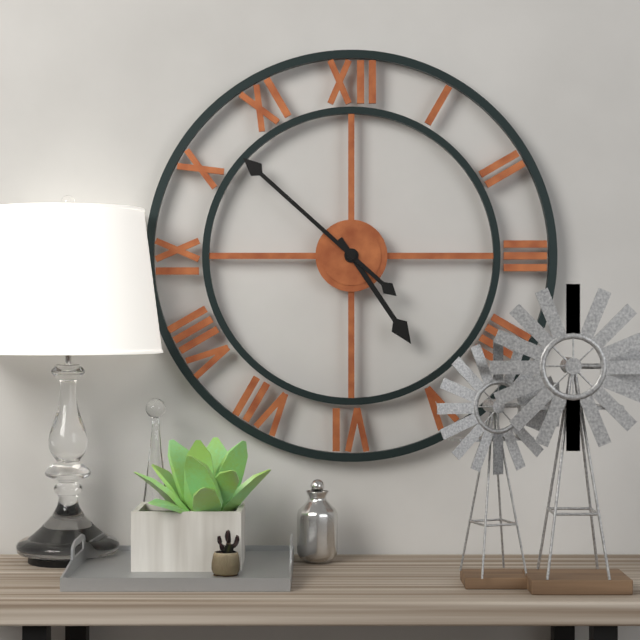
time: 4:52
